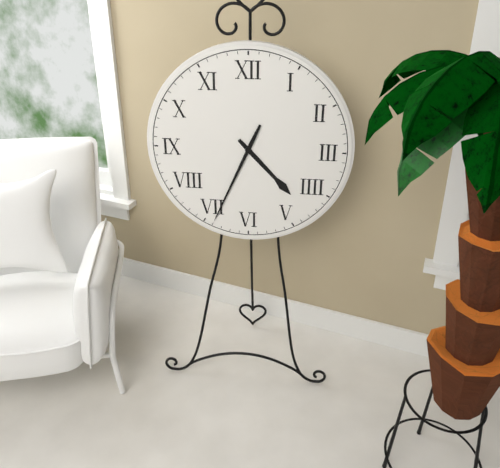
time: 4:34
